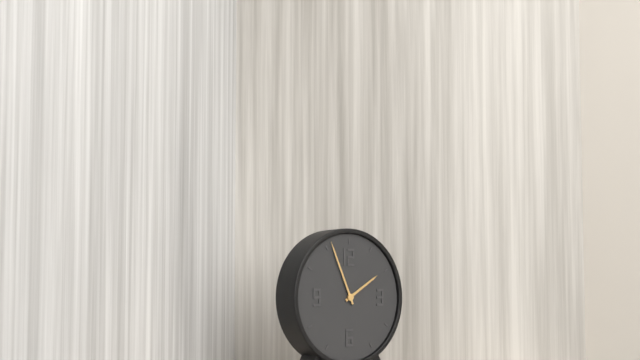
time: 1:56
